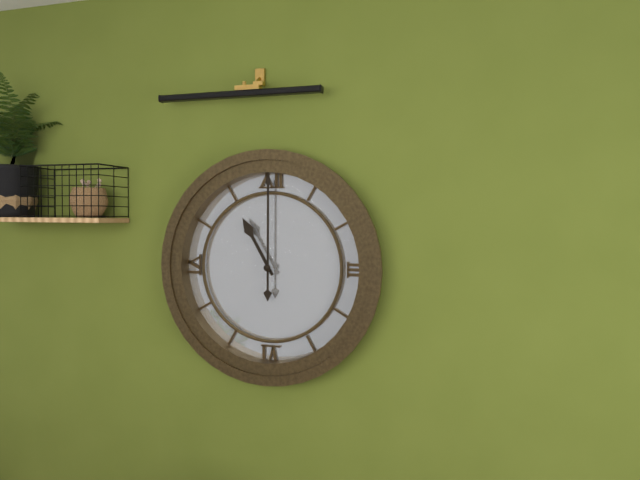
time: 11:00
